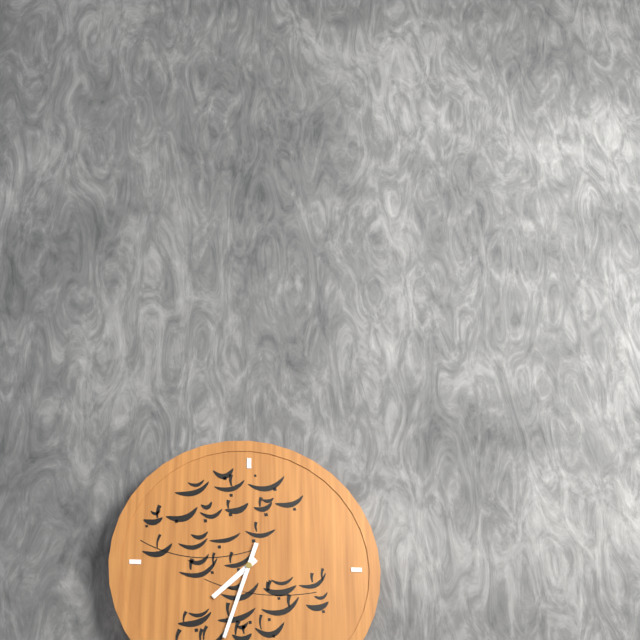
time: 7:33
